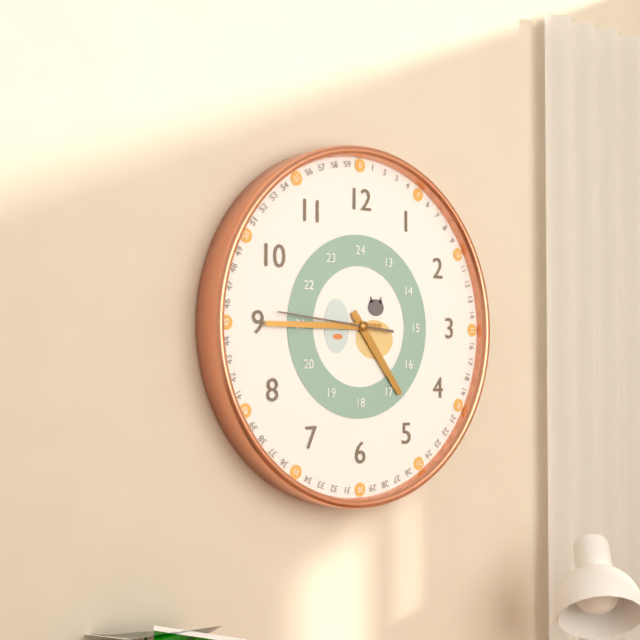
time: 4:45:46
